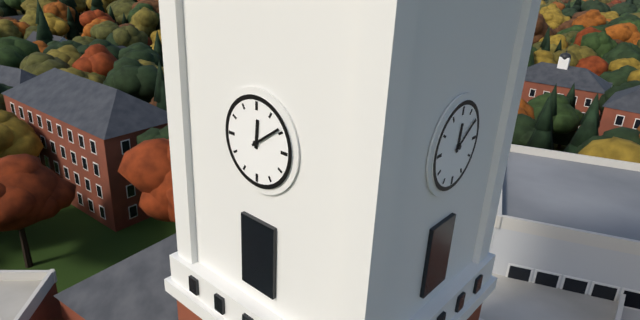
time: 12:09
